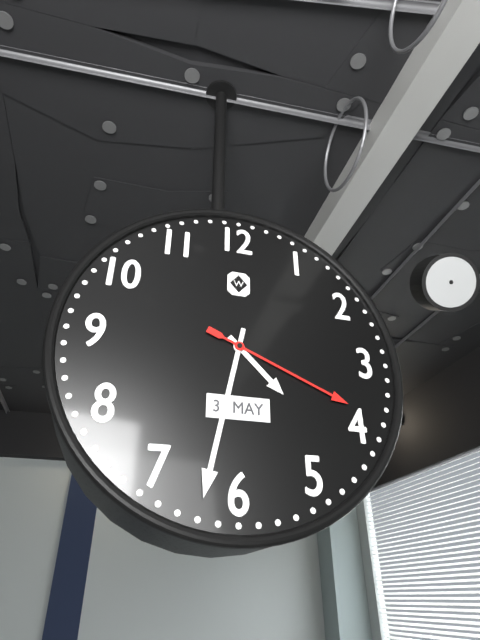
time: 4:32:19
